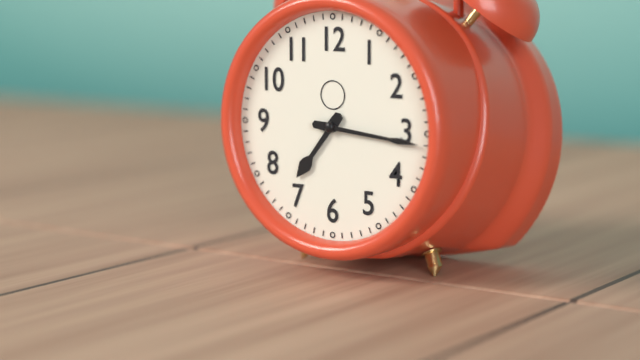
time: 7:16
